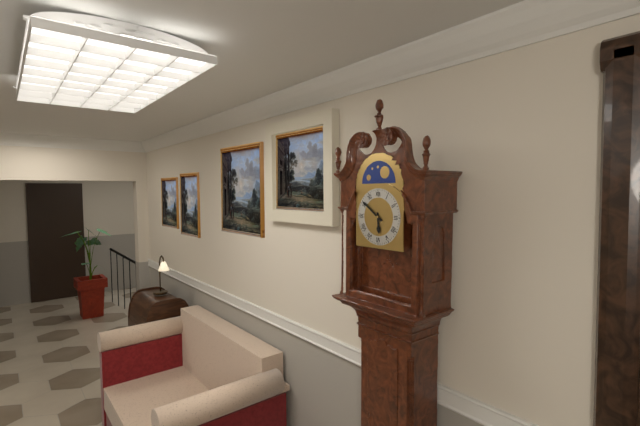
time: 5:51
